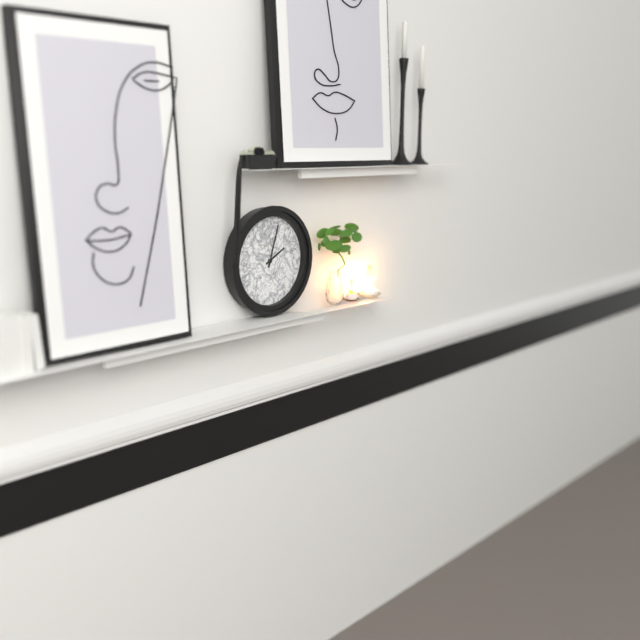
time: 2:03
